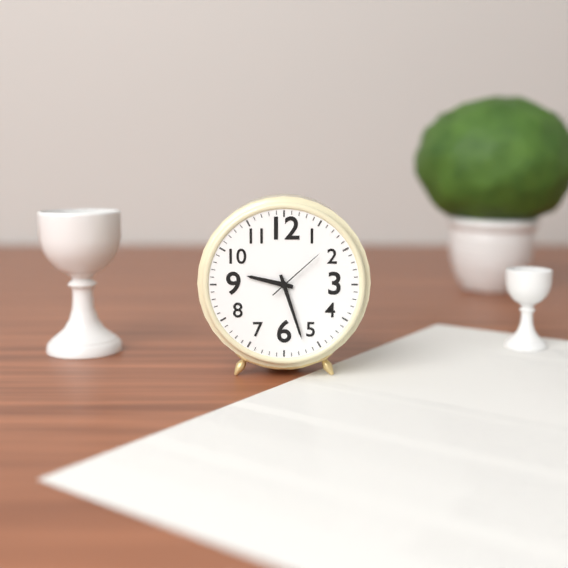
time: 9:27:08
